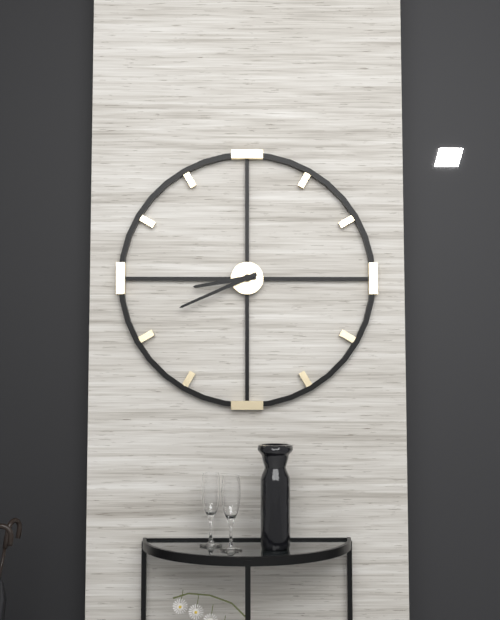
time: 8:41
